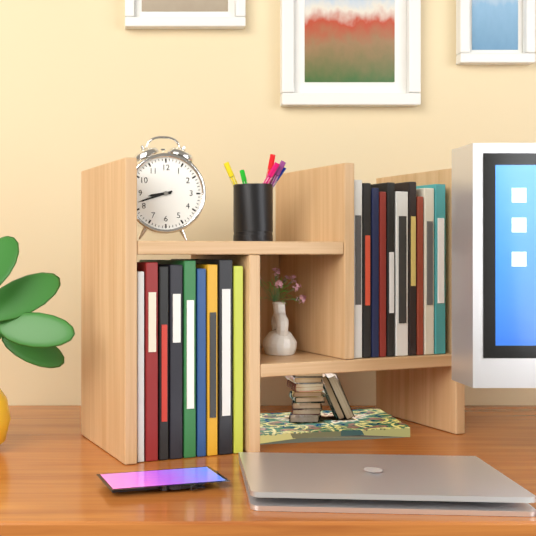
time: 8:42
